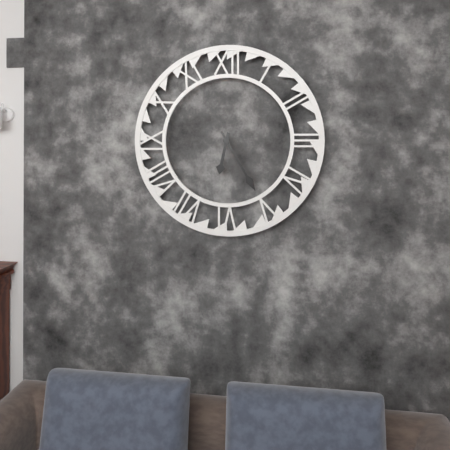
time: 6:25
